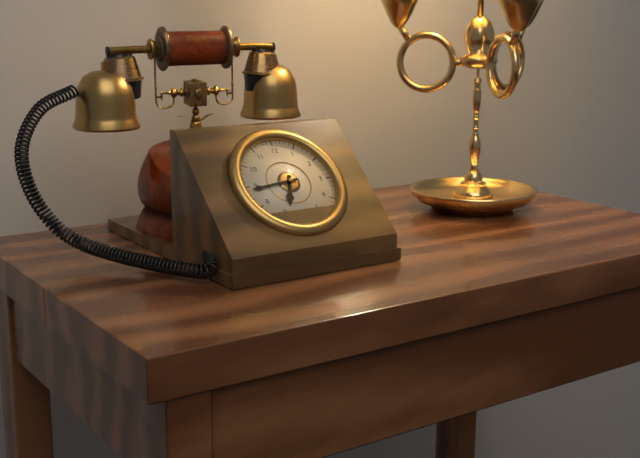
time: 6:44
